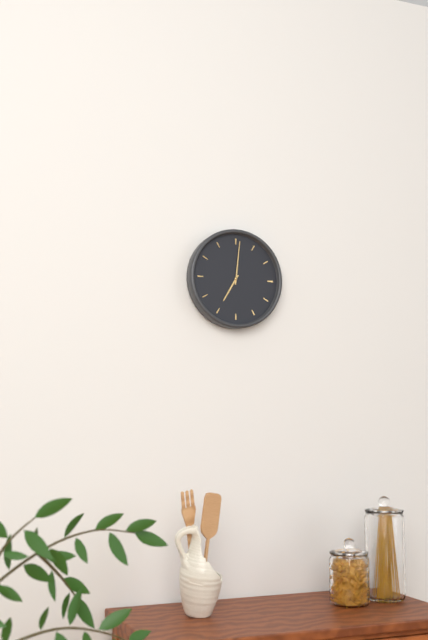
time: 7:01
